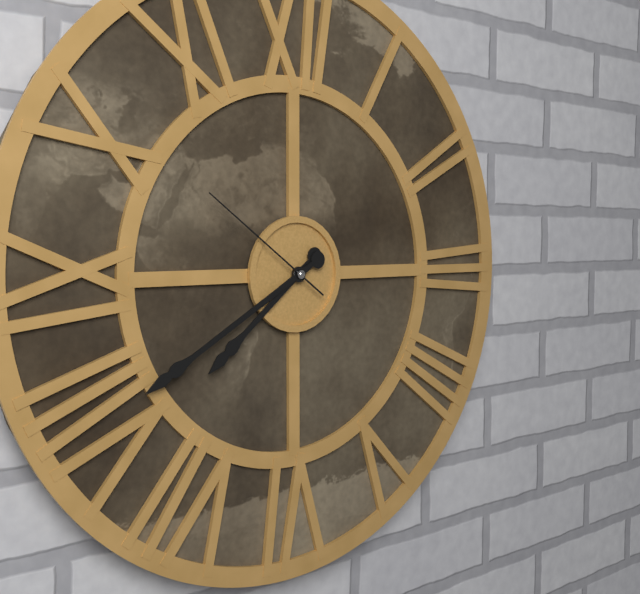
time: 7:40:51
